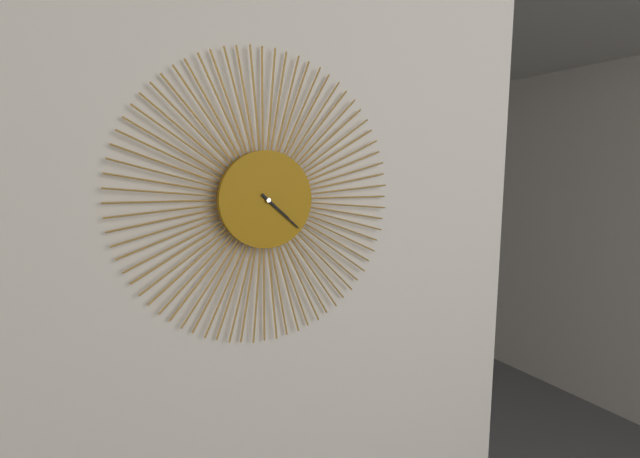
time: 4:22
